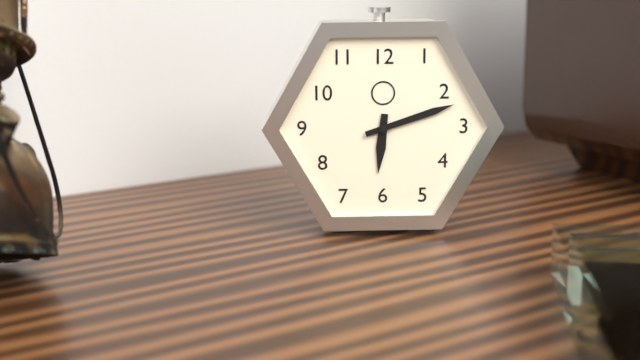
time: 6:12
